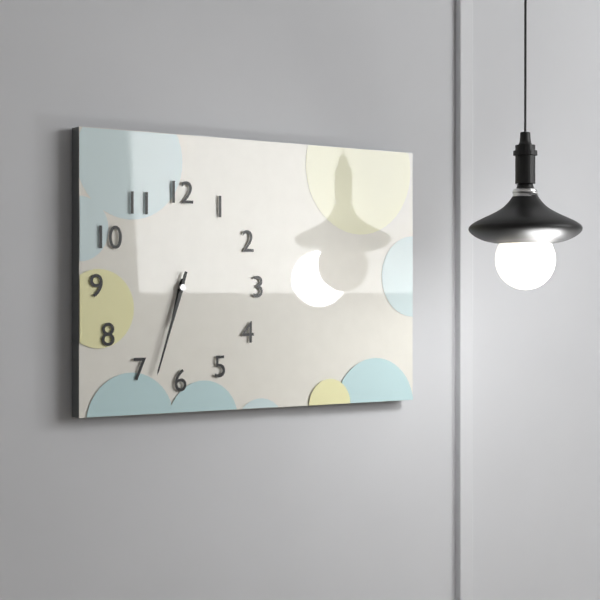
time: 6:33
